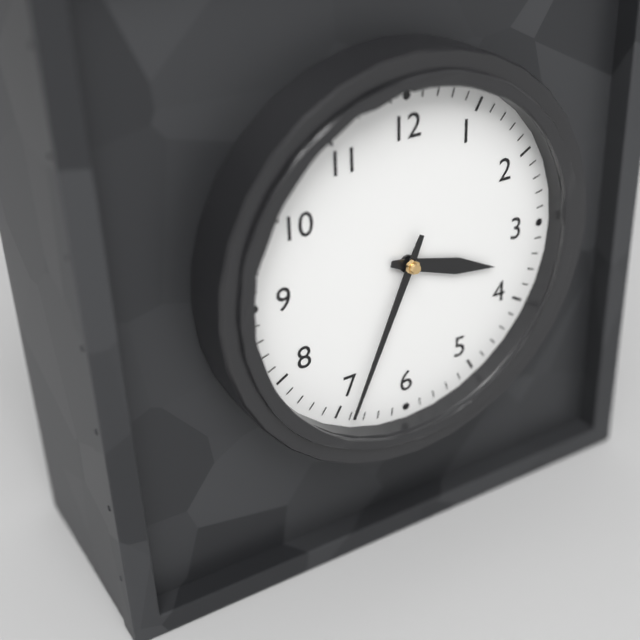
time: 3:34
